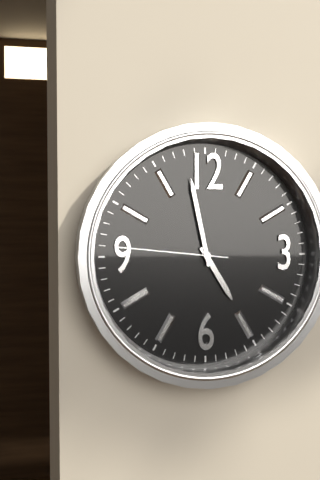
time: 4:58:46
